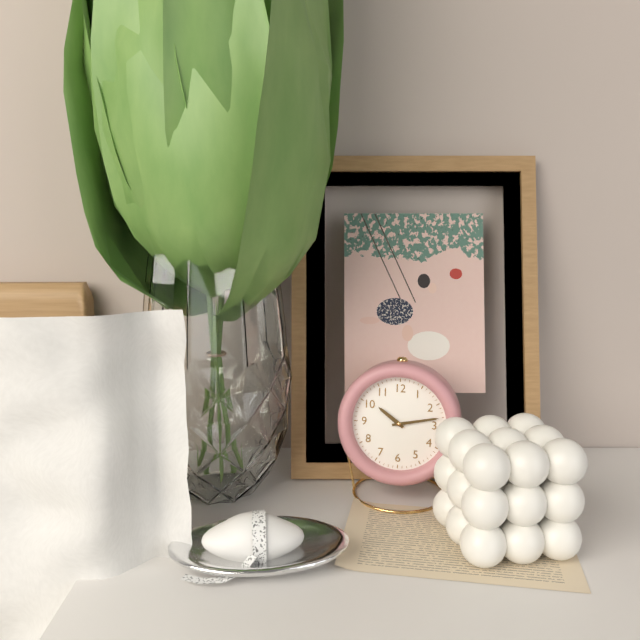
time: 10:13
